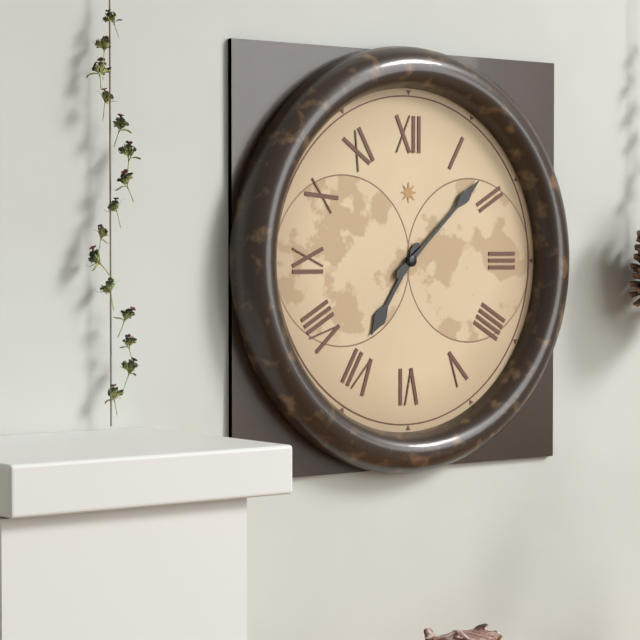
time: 7:08
